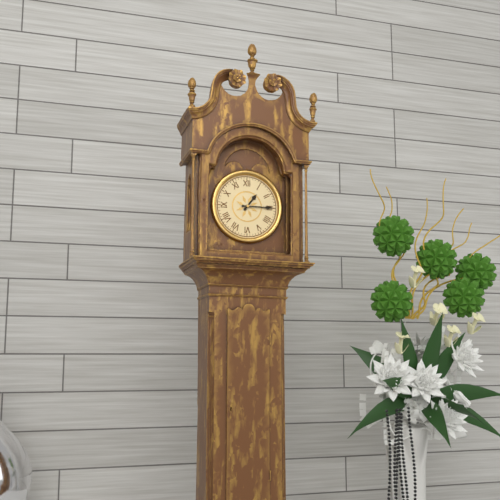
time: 1:15
